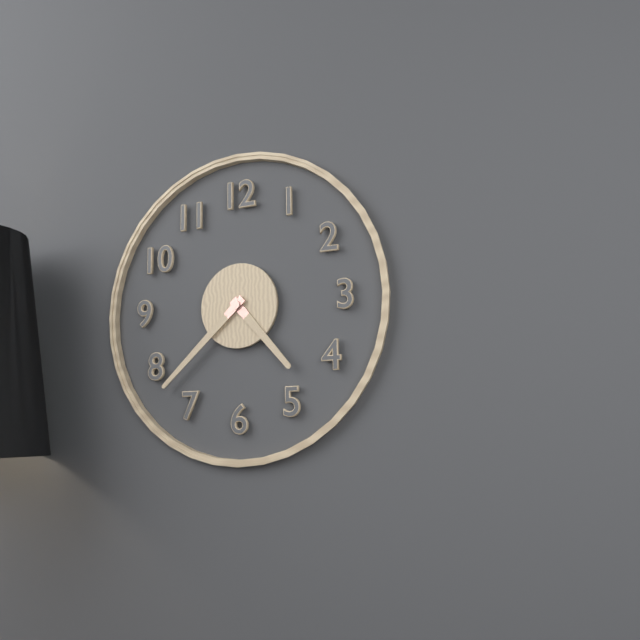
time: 4:38
